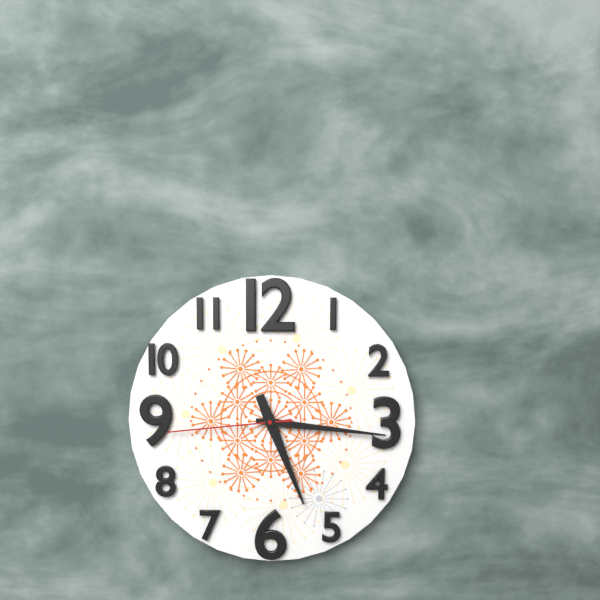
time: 5:16:44
